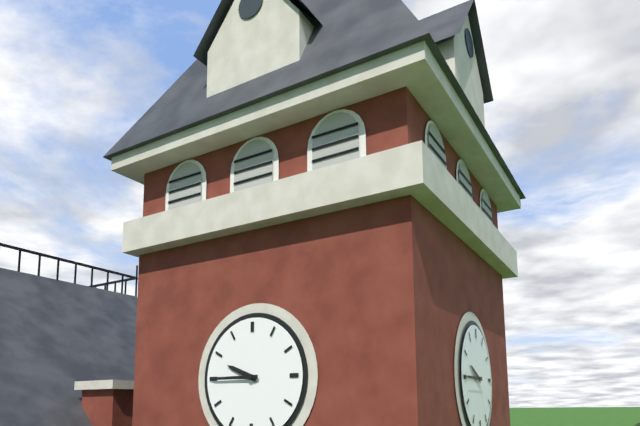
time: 9:45
